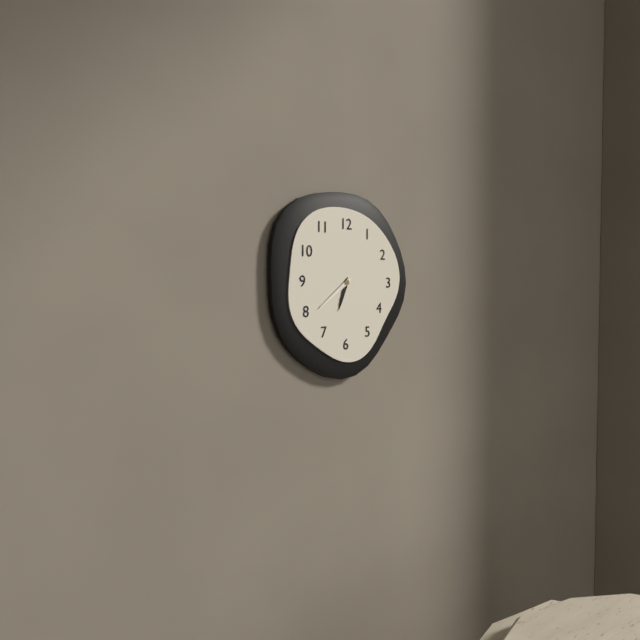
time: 6:39
